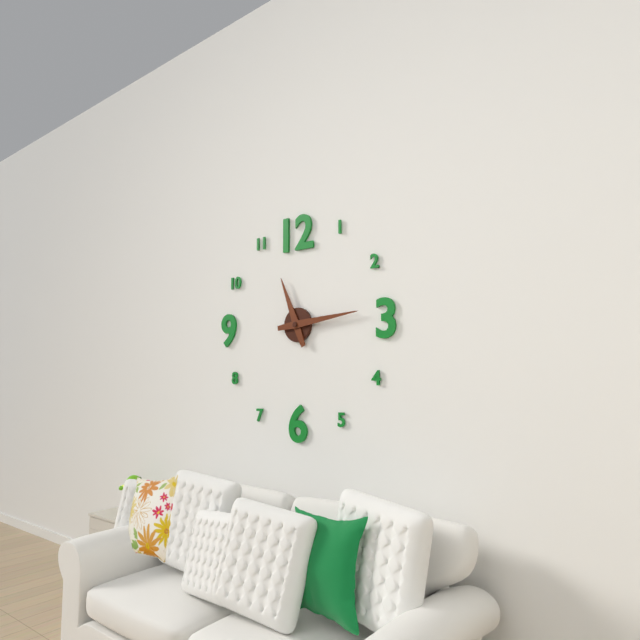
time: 11:14
